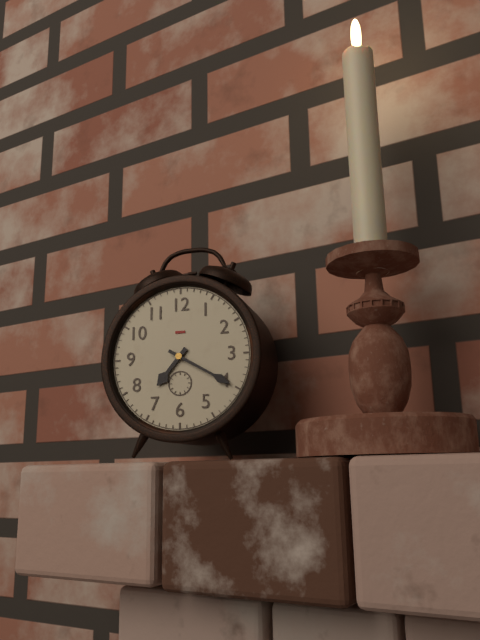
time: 7:20
